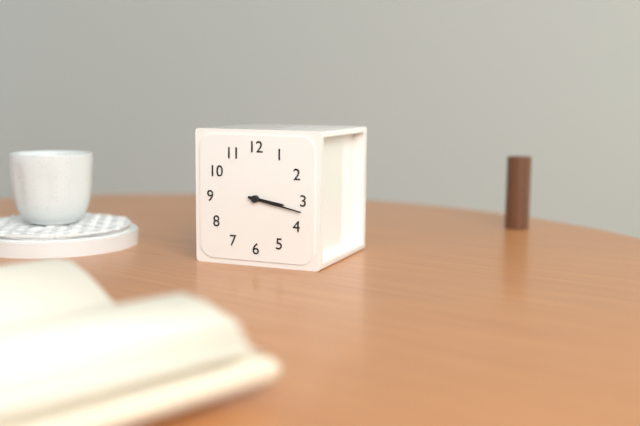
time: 3:17
